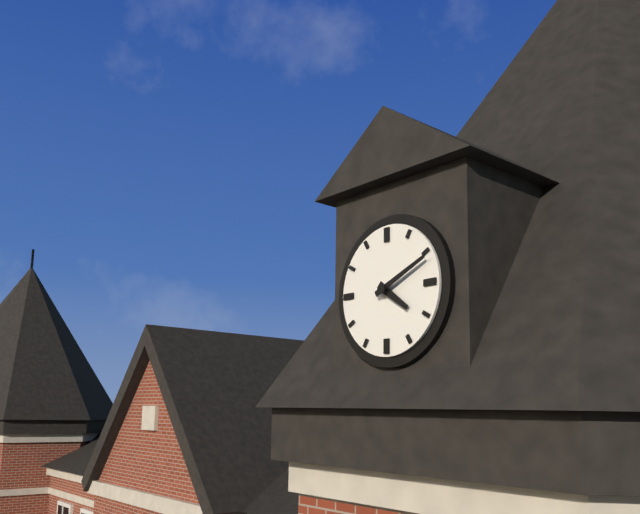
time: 4:11
